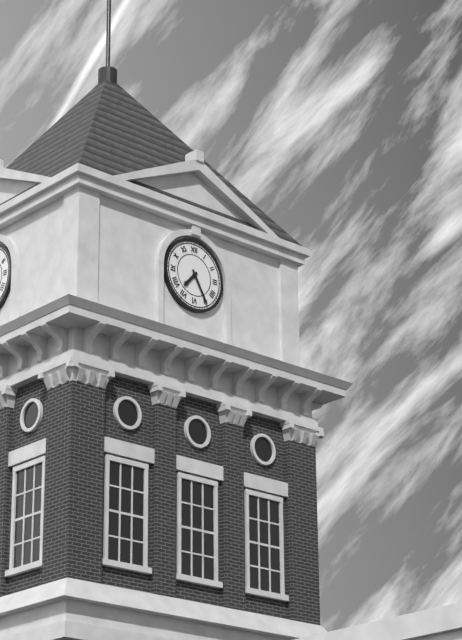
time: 7:25
